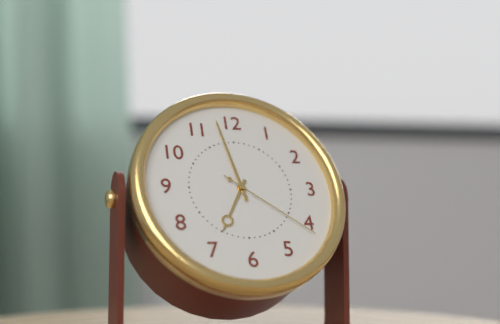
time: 6:58:21
